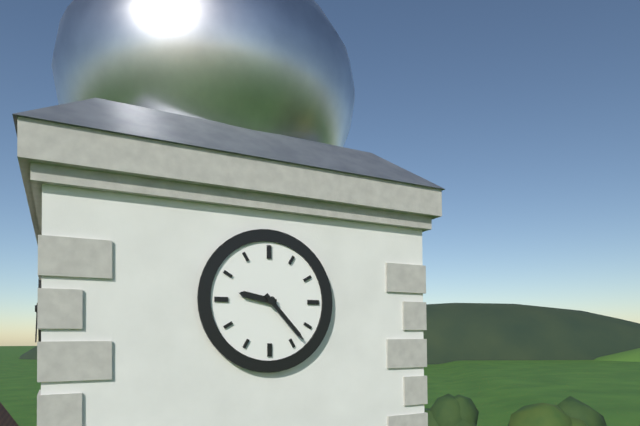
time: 9:23
